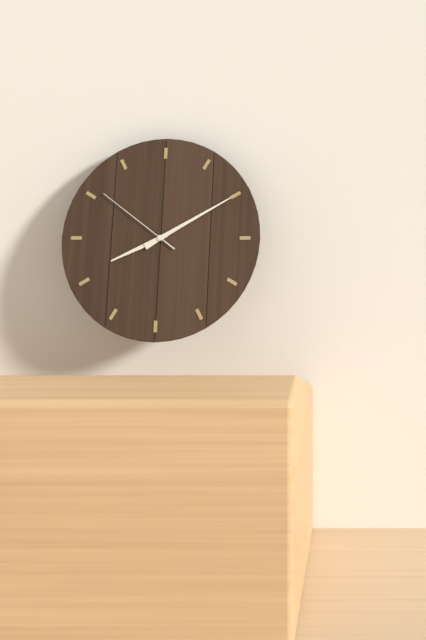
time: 8:10:51
